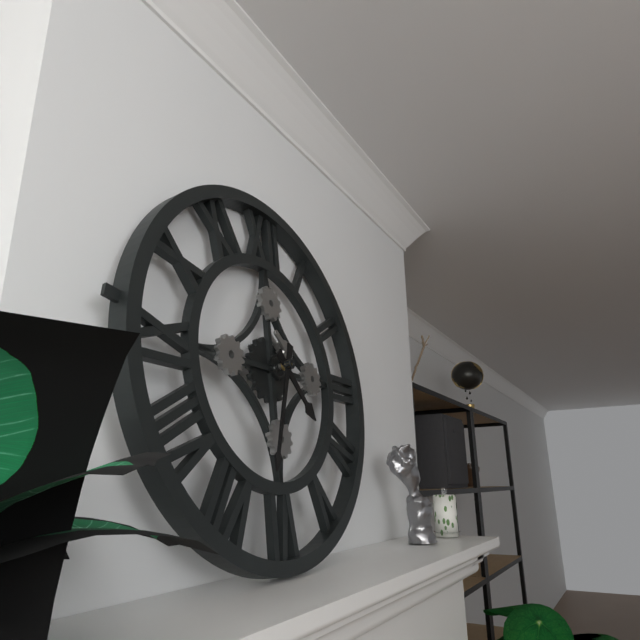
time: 4:33
